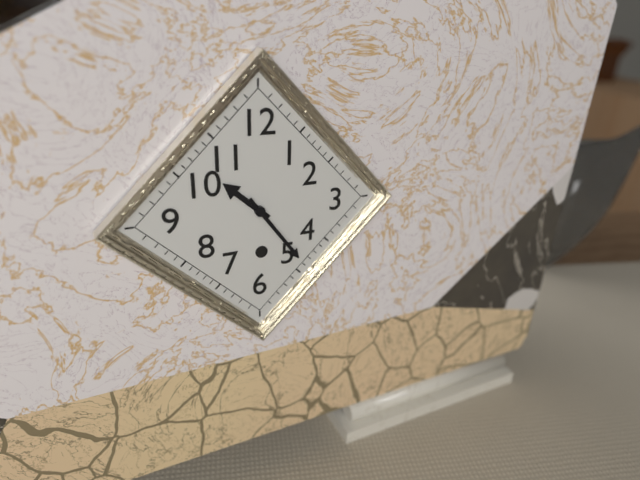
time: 10:24
